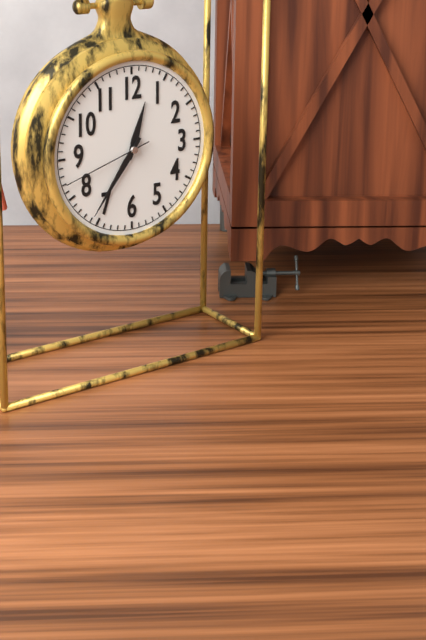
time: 12:36:42
